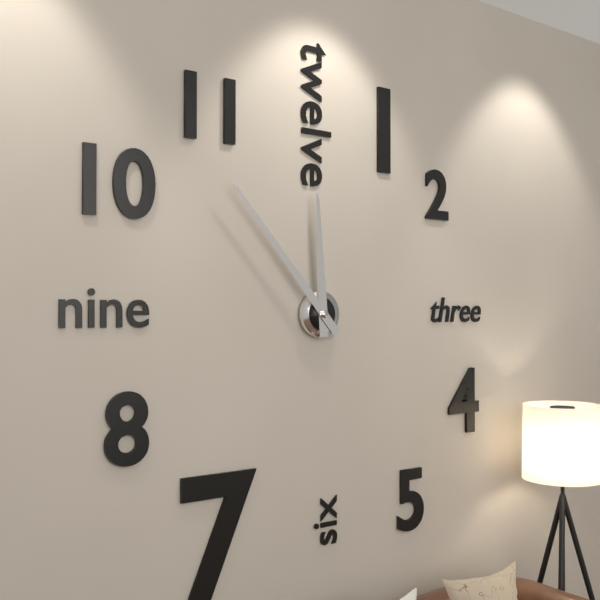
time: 11:53
